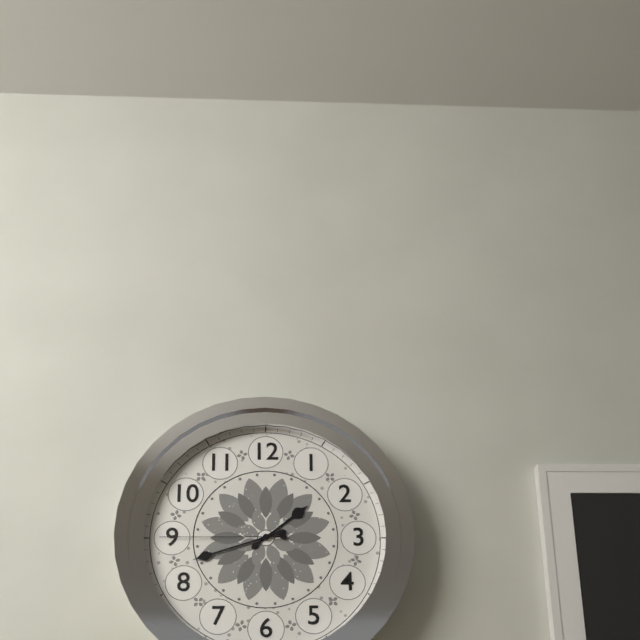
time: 1:42:45
